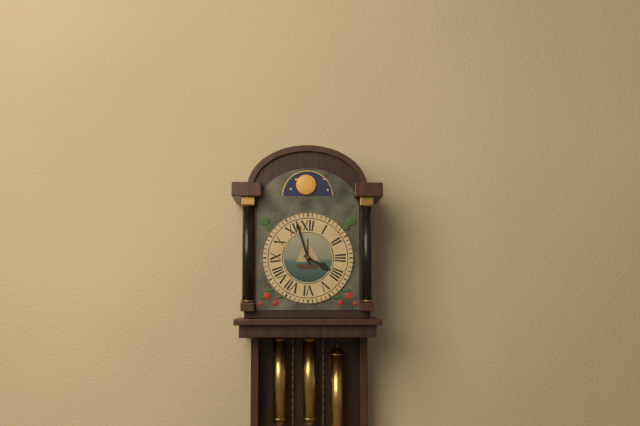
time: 3:57
